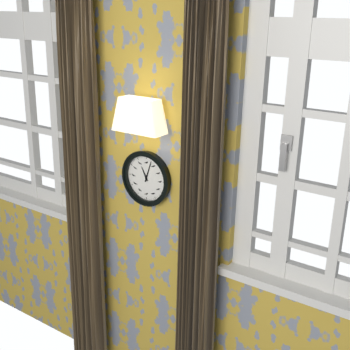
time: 11:03
